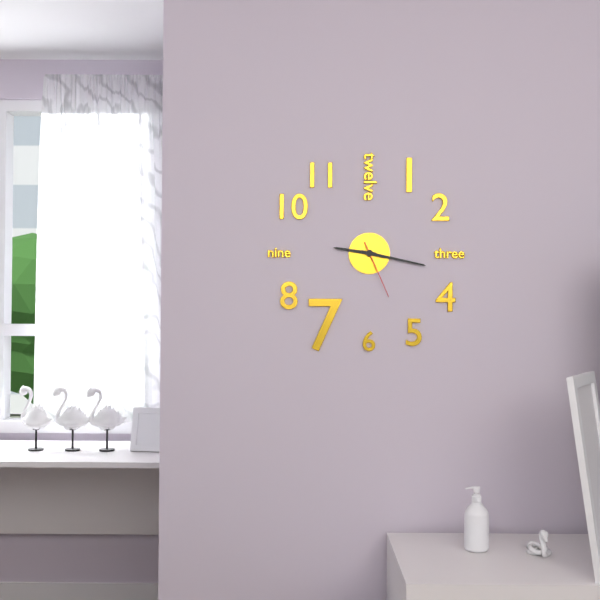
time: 9:17:26
